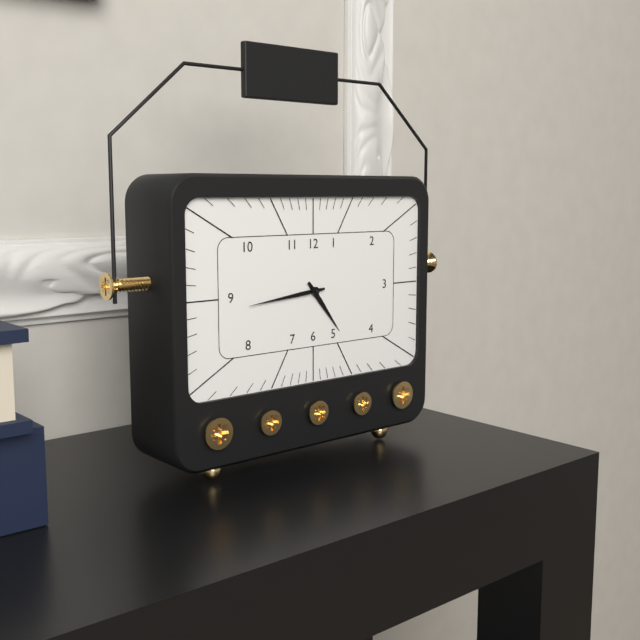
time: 4:44
